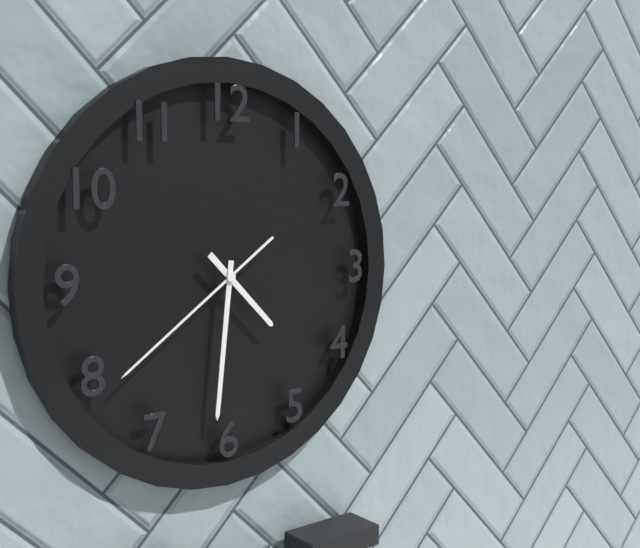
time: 4:31:39
